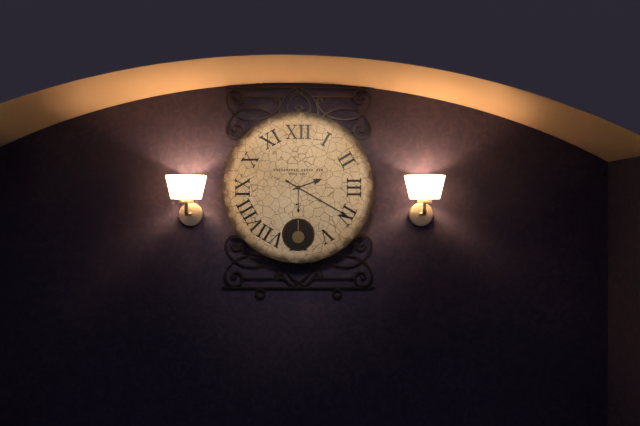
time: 2:20
